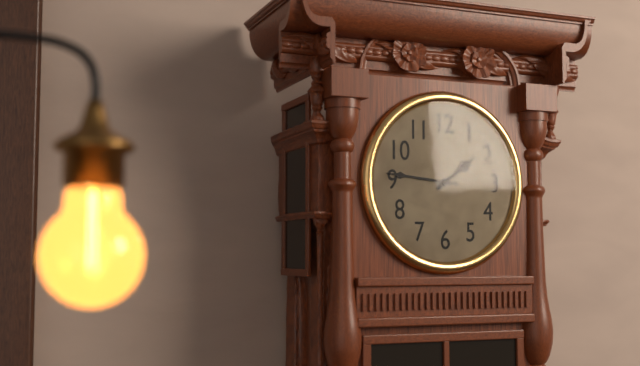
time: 1:46
